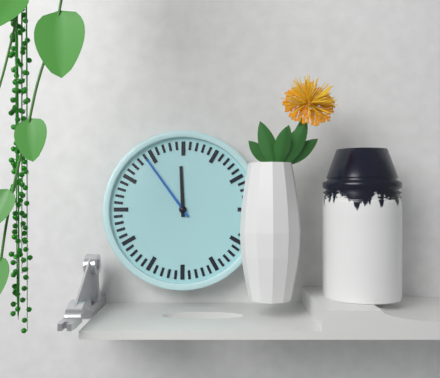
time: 11:54
